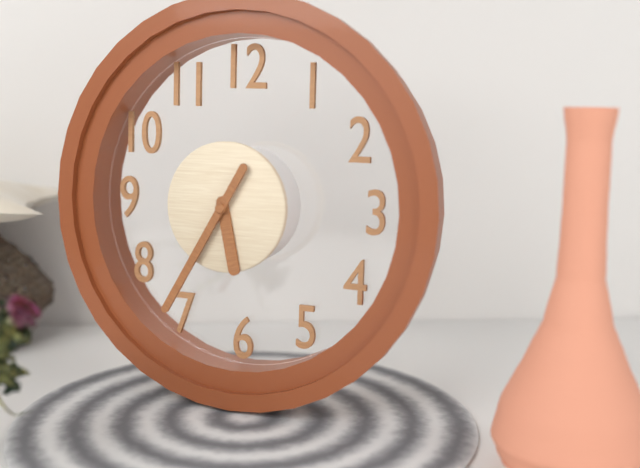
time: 5:35
